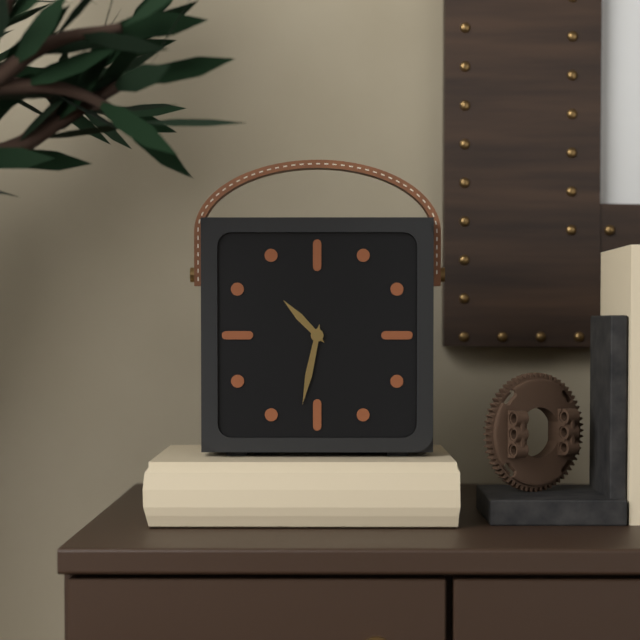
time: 10:32
